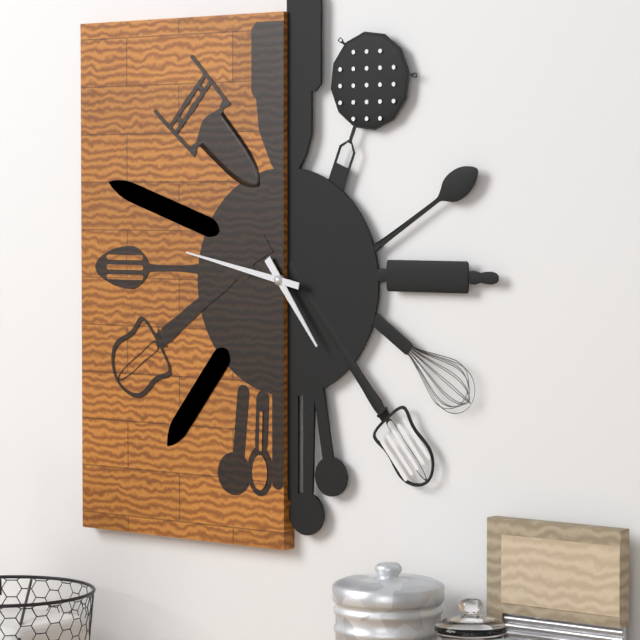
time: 4:47
